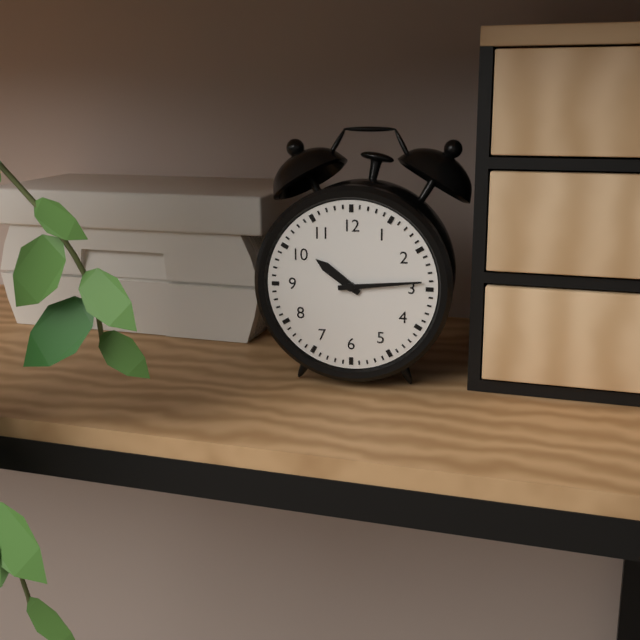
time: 10:14
